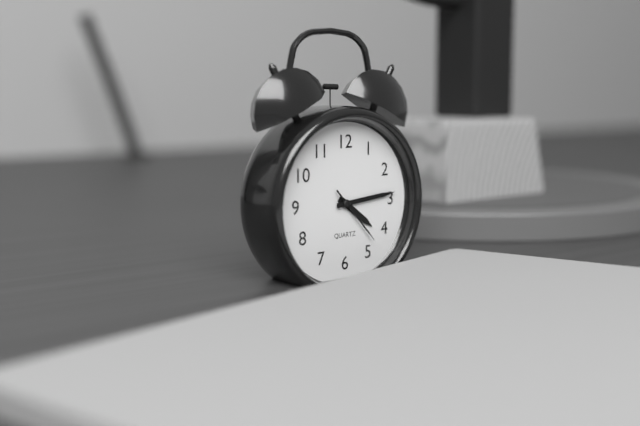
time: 4:14:23
